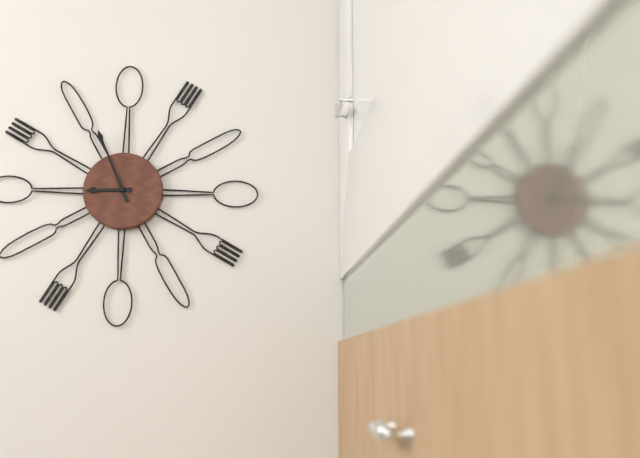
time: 8:56
